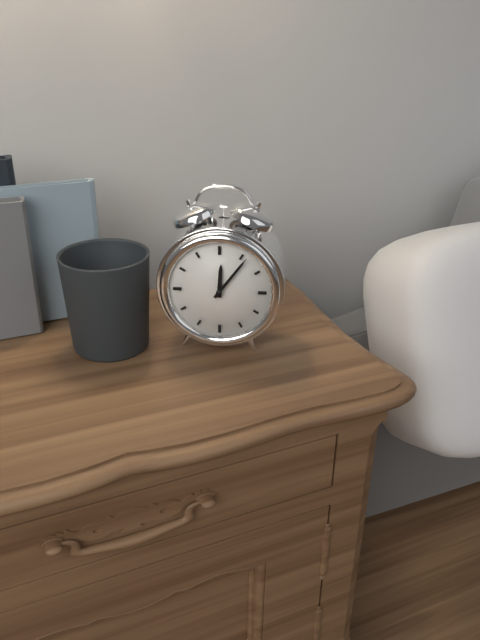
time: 12:06
